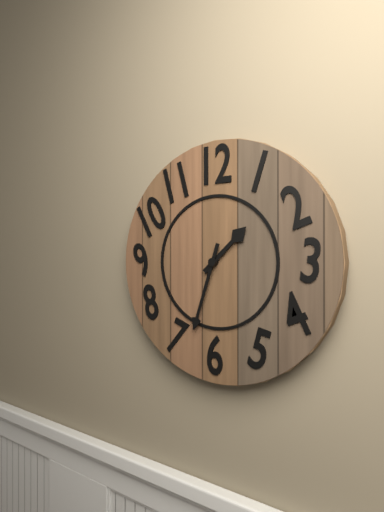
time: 1:33
